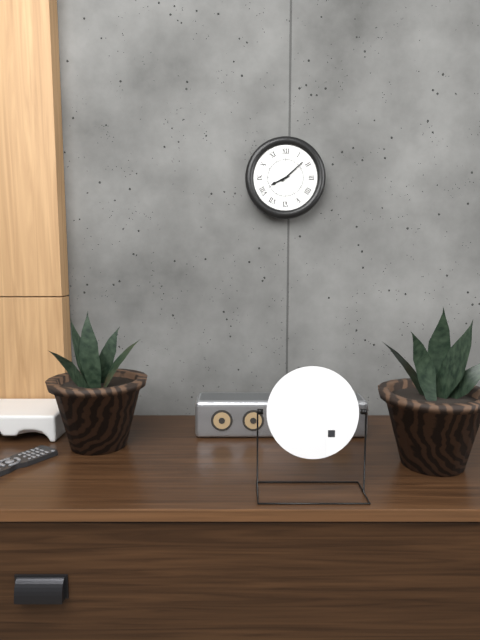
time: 8:08
